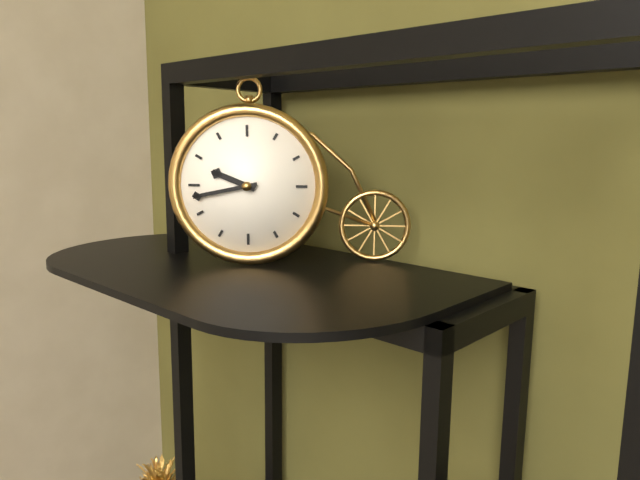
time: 9:43
